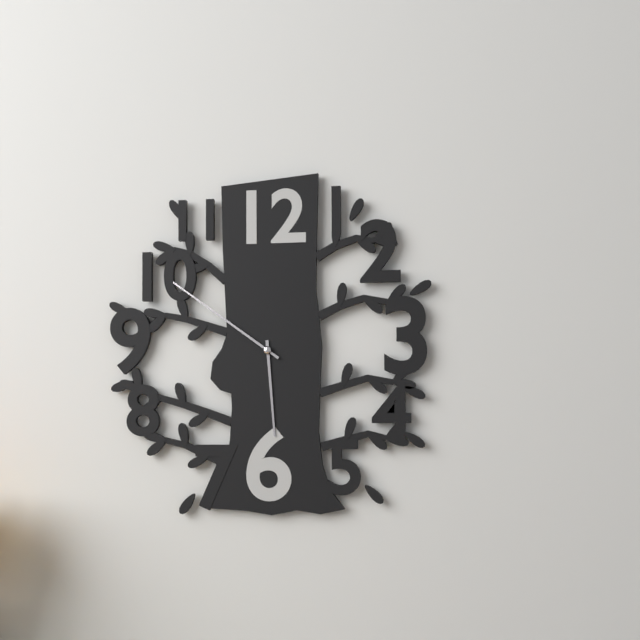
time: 5:51
